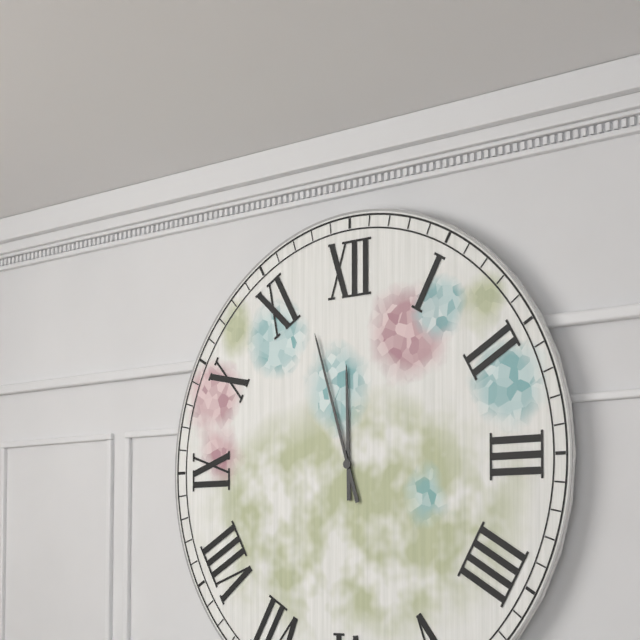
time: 11:57
